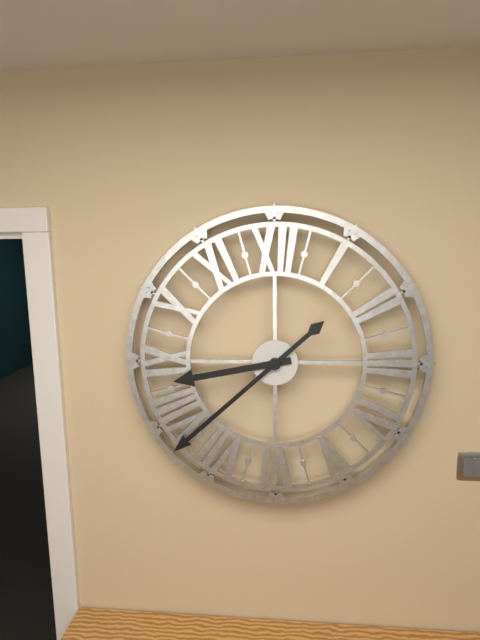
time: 8:38
